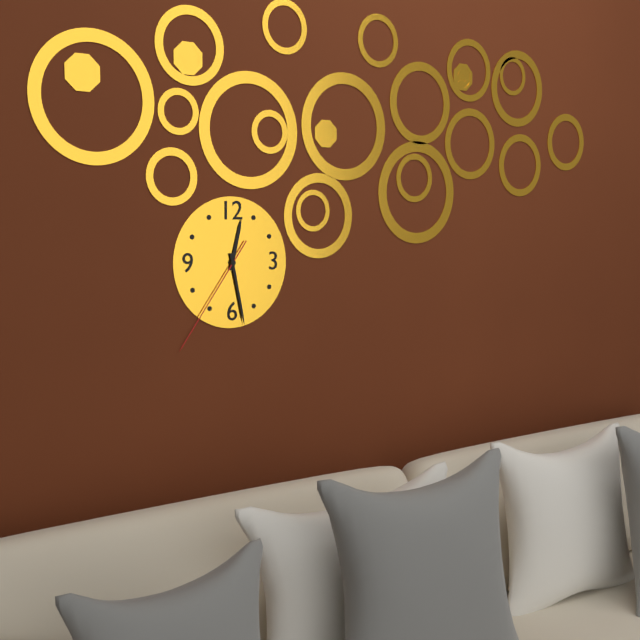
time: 12:28:36
